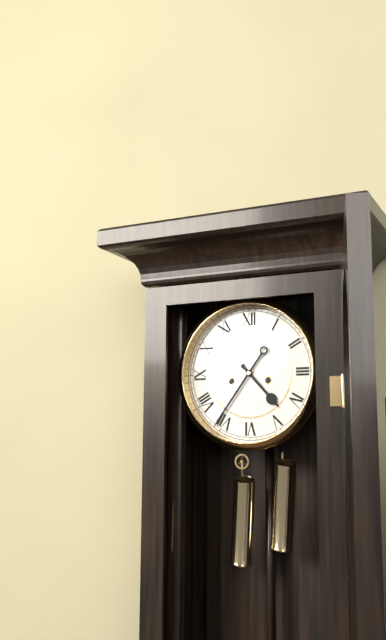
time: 4:36
